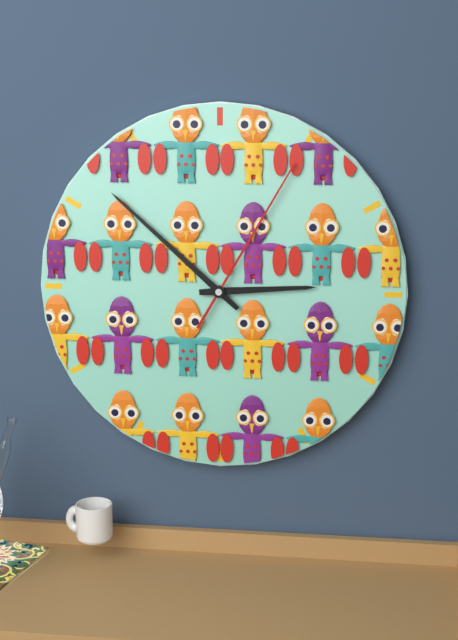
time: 2:52:05
